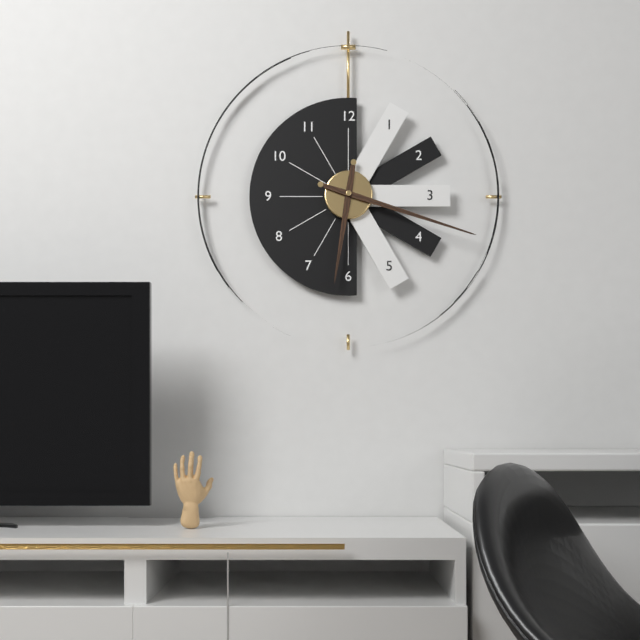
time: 6:18
